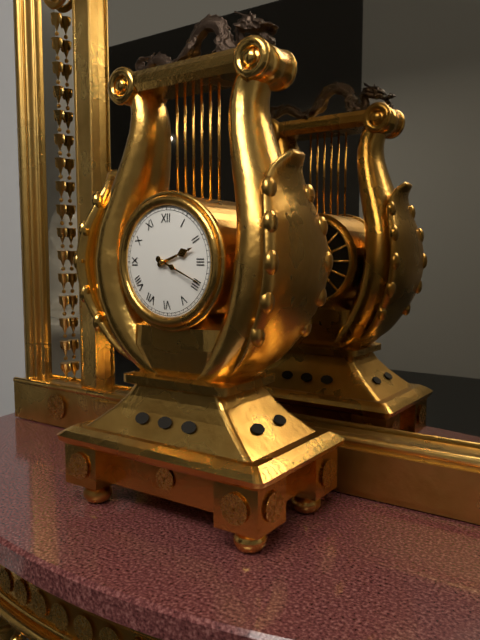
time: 2:19
